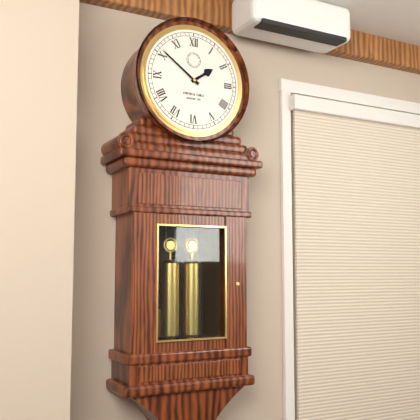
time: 1:51
